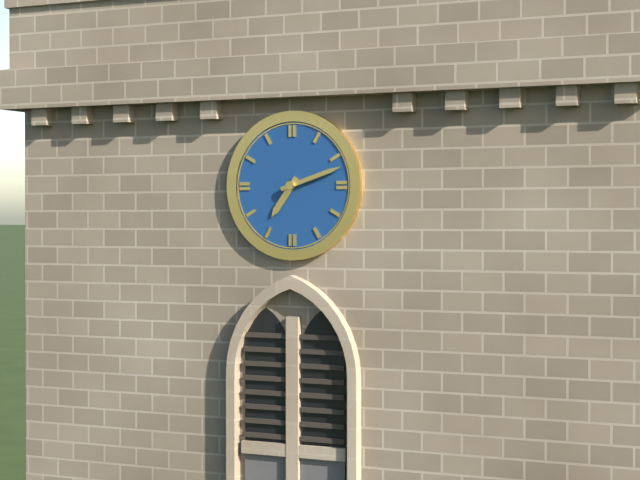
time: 7:12
